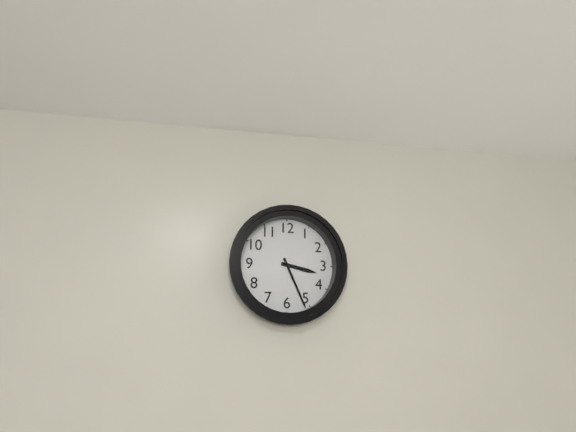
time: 3:26
